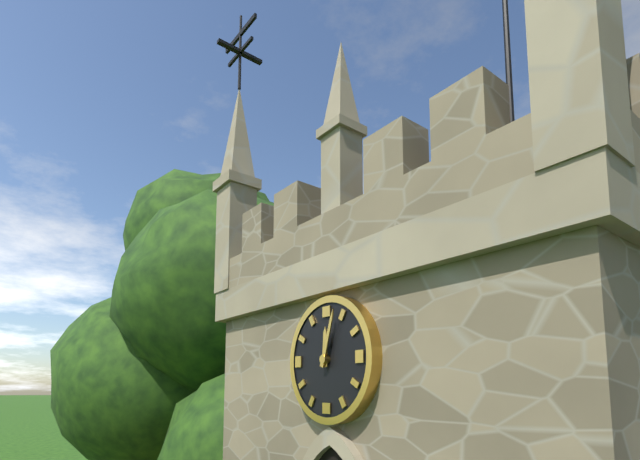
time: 12:03
